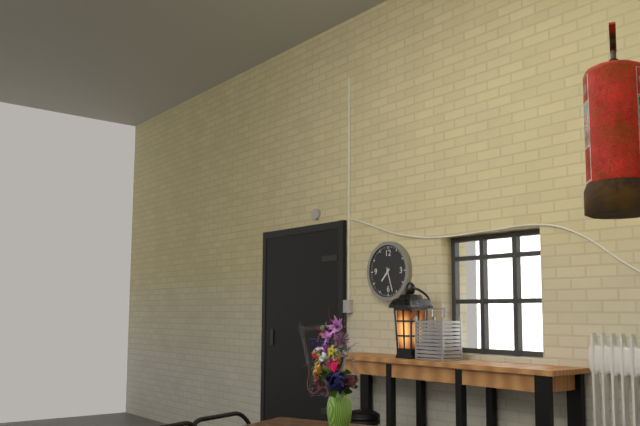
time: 7:27
